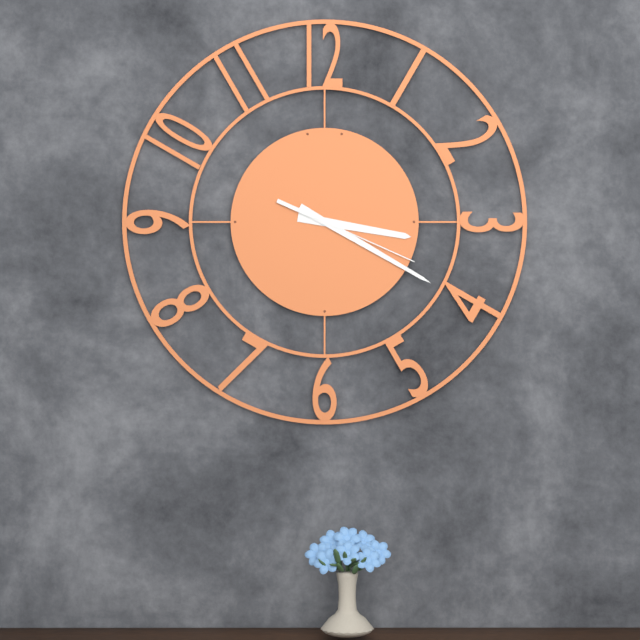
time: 3:20:19
